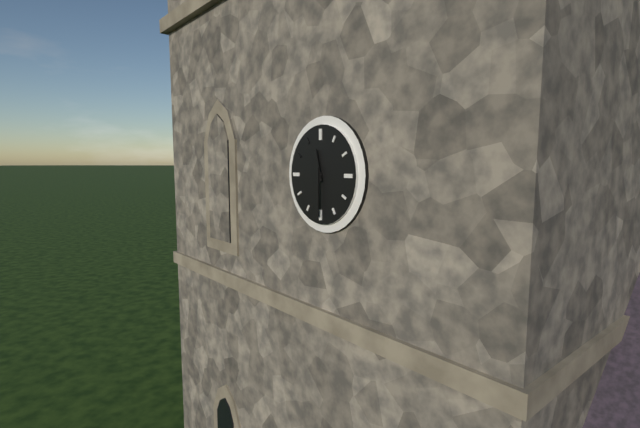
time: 11:30
